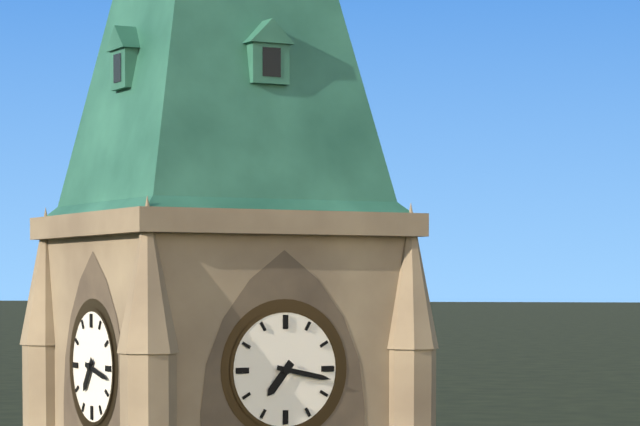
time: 7:17
